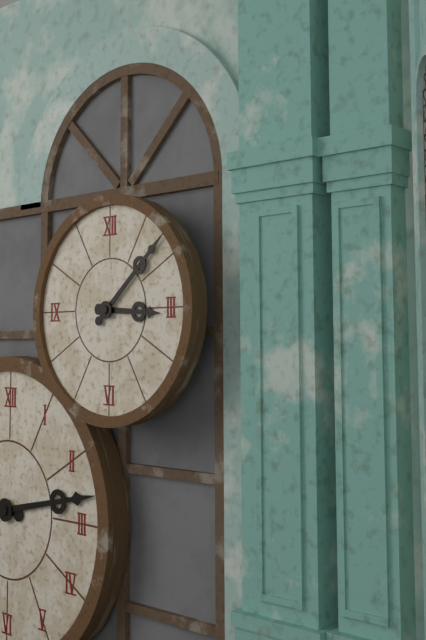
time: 3:08
